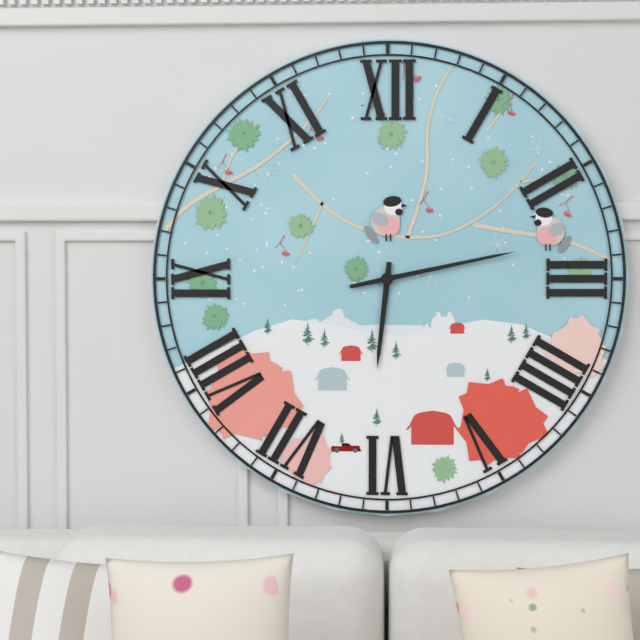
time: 6:13
